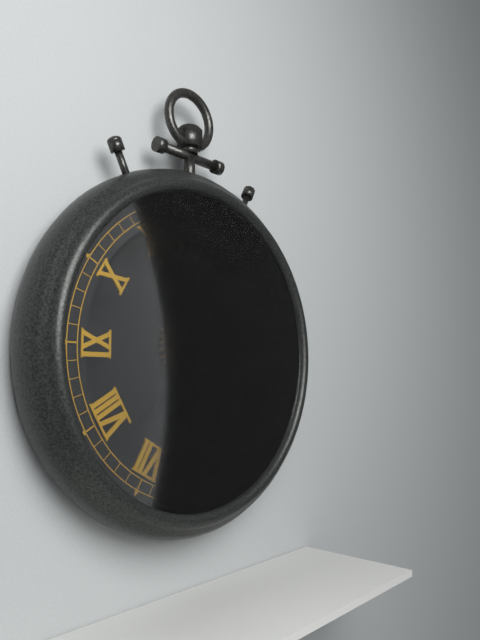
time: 5:37:38
